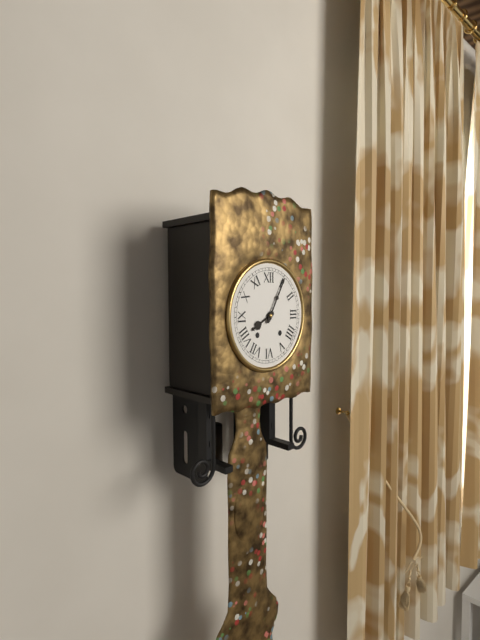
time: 8:05
